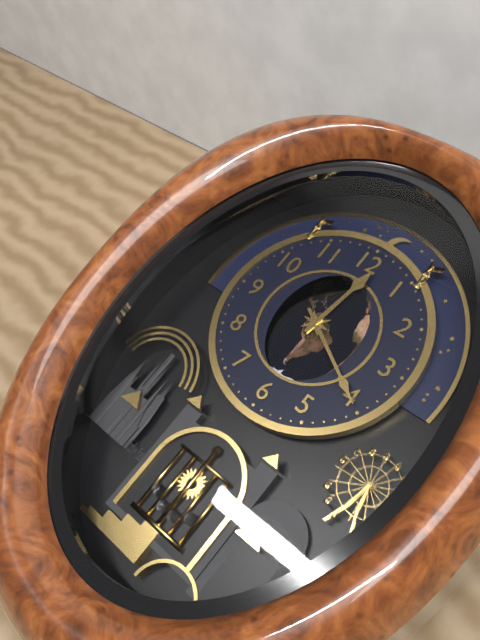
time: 12:20
